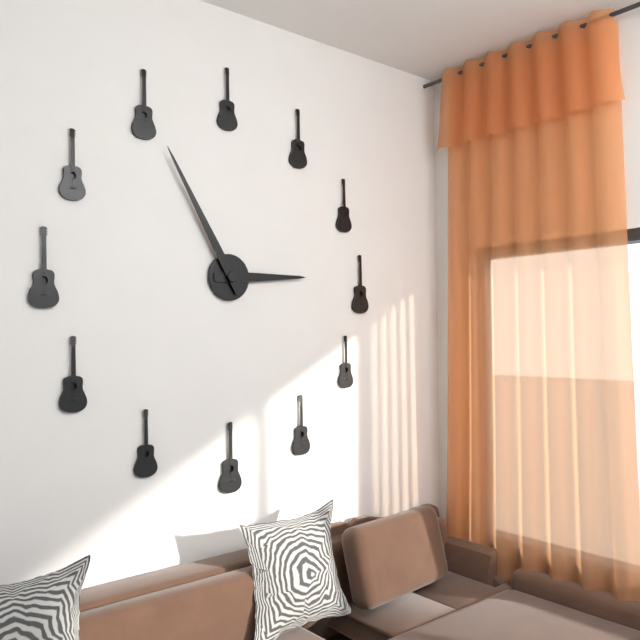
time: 2:55
